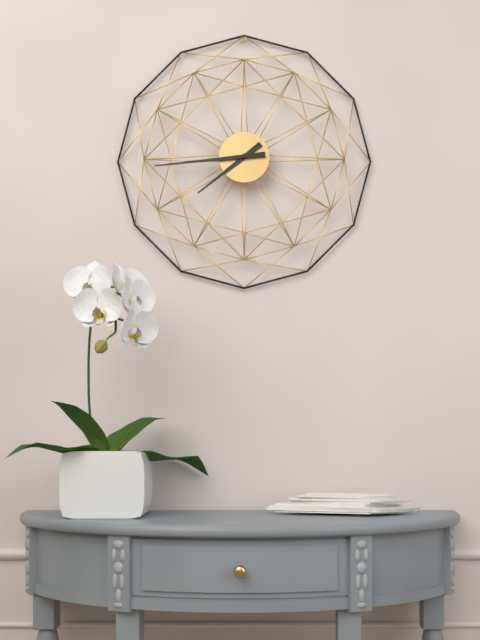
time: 7:44
